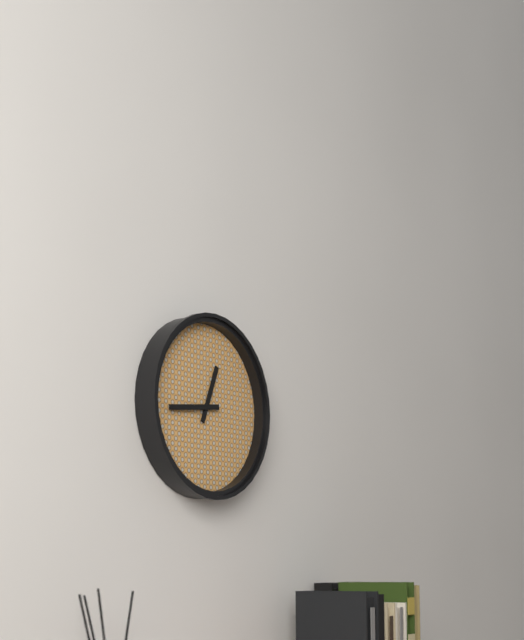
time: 12:44
